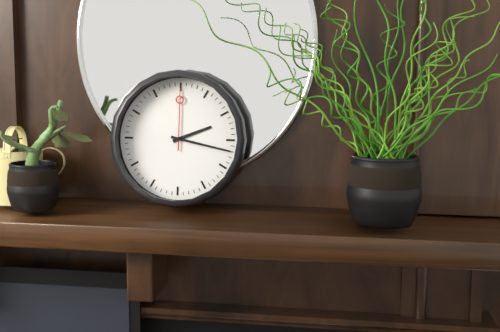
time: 2:17:00
